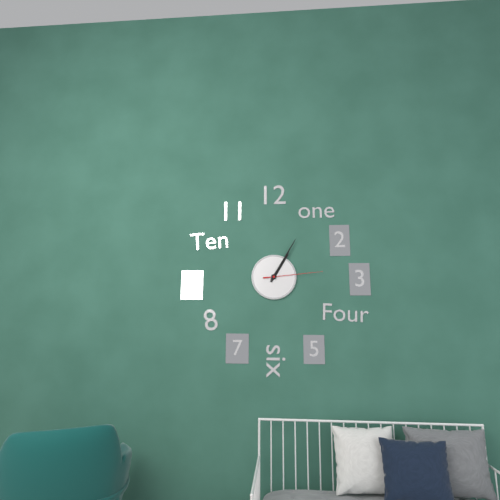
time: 1:05:14
